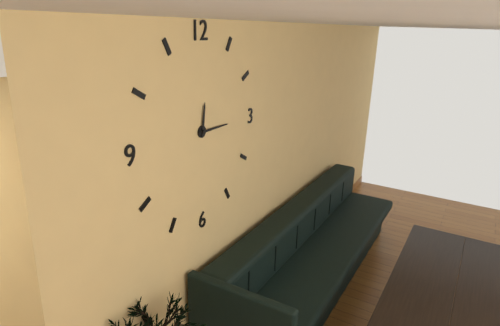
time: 12:15
